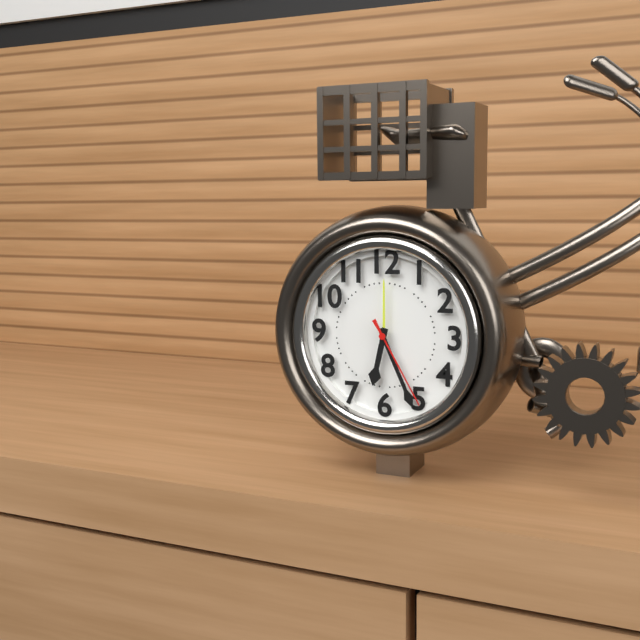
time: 6:26:25
